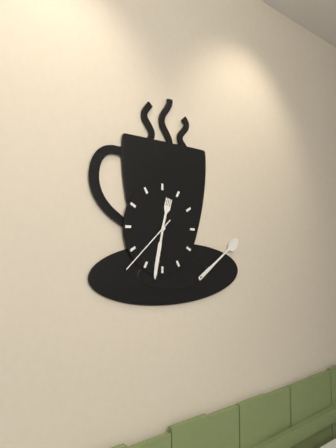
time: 12:32:38
